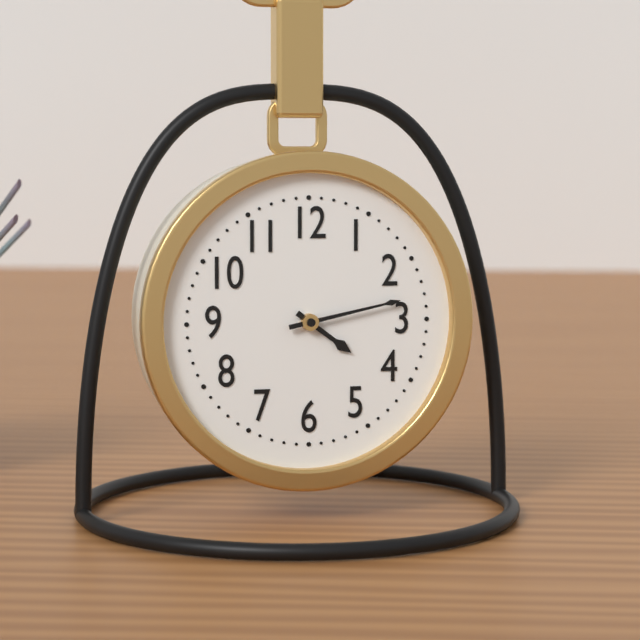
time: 4:13
